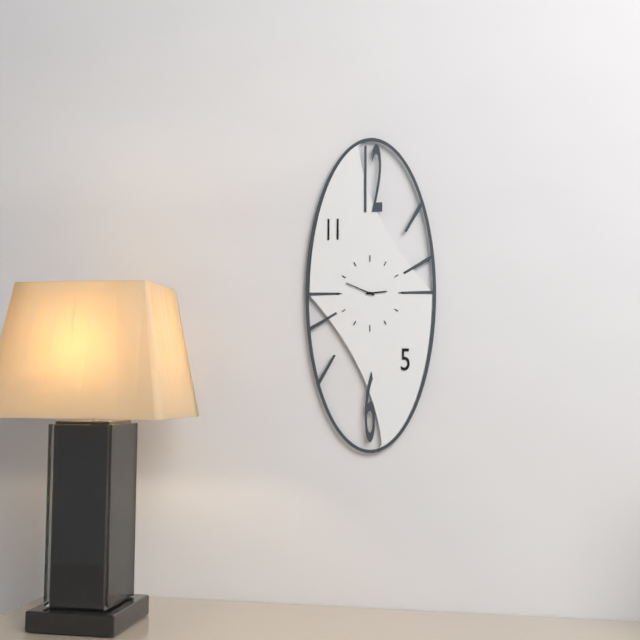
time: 2:49
